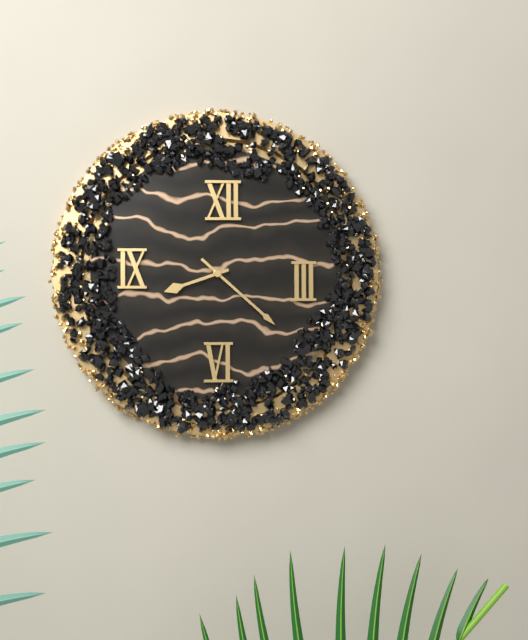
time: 8:22
